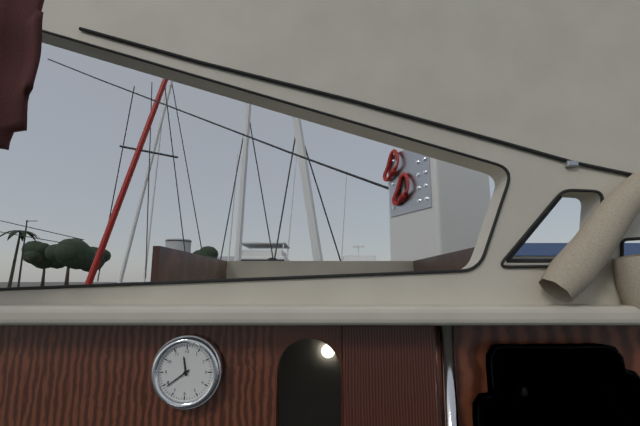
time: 11:39
